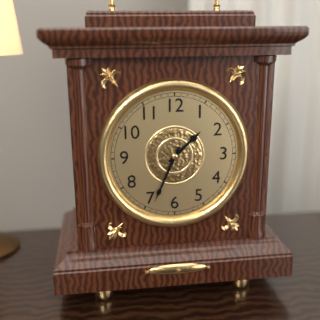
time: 1:34
